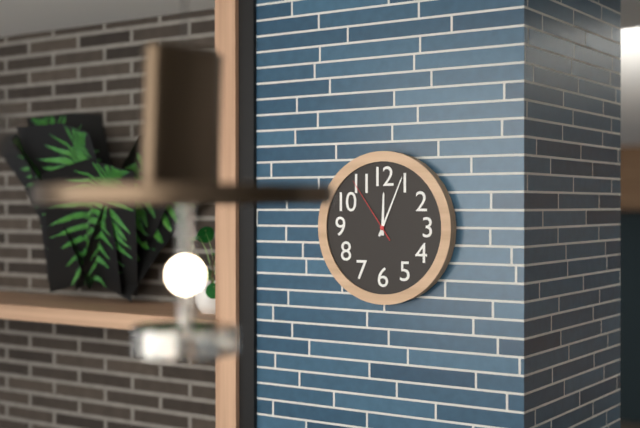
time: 12:04:54
